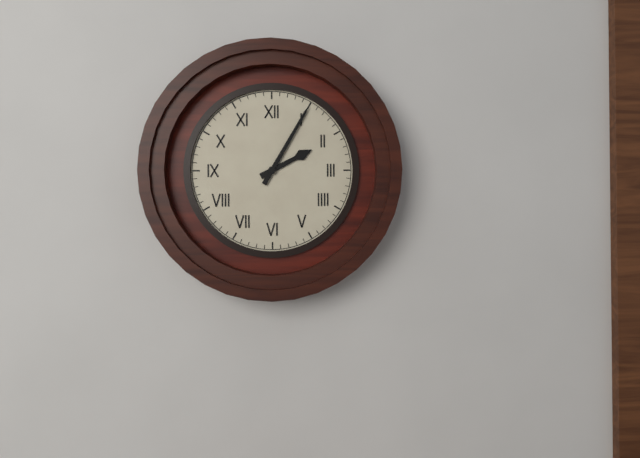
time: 2:05
